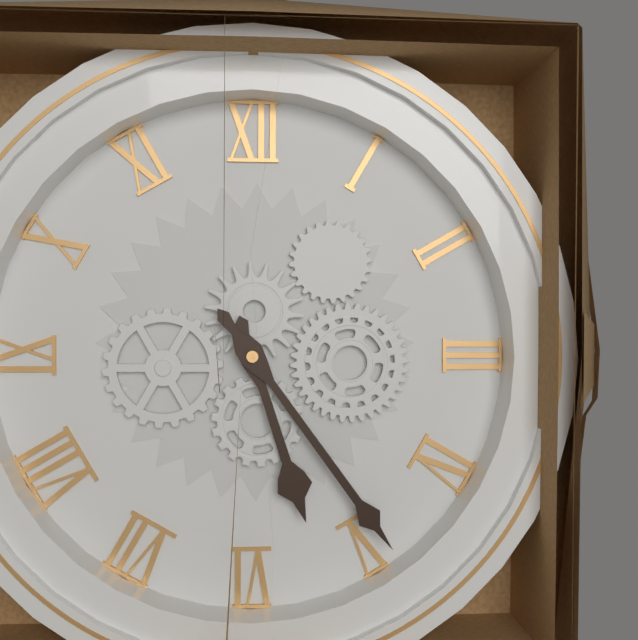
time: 5:24
